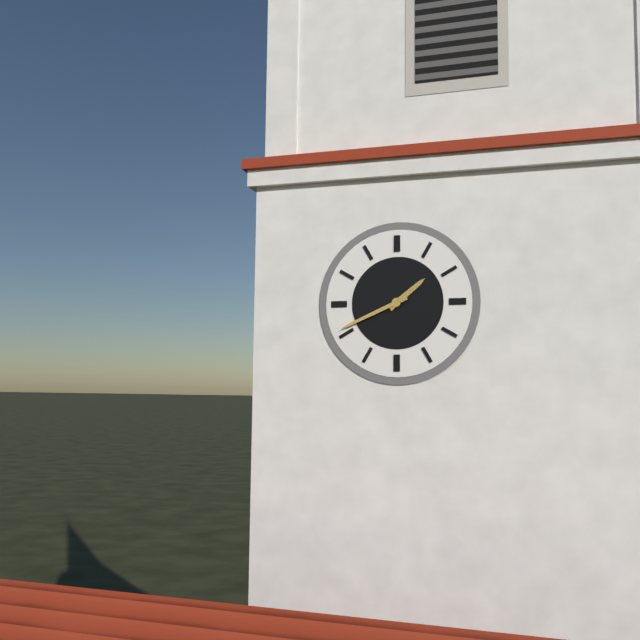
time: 1:41
